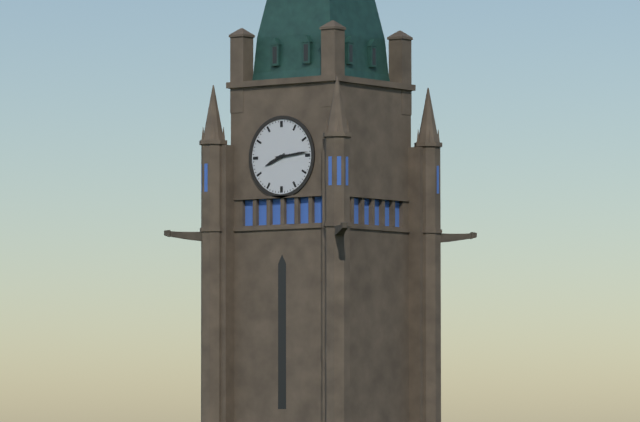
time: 8:14
